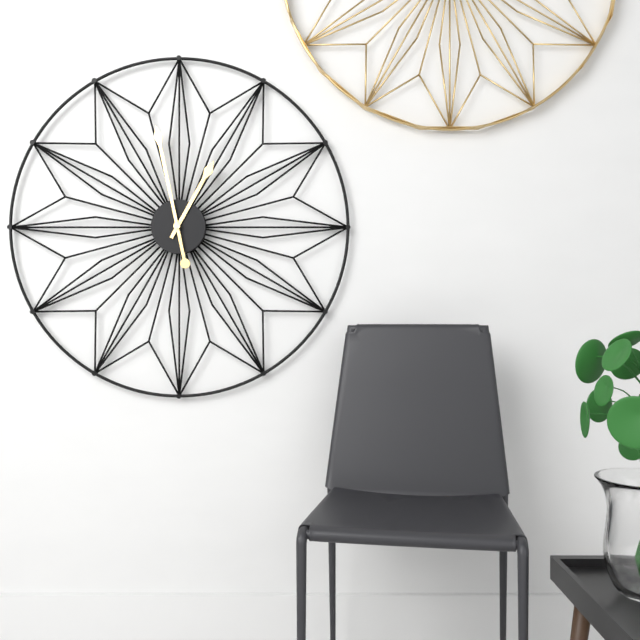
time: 12:58
